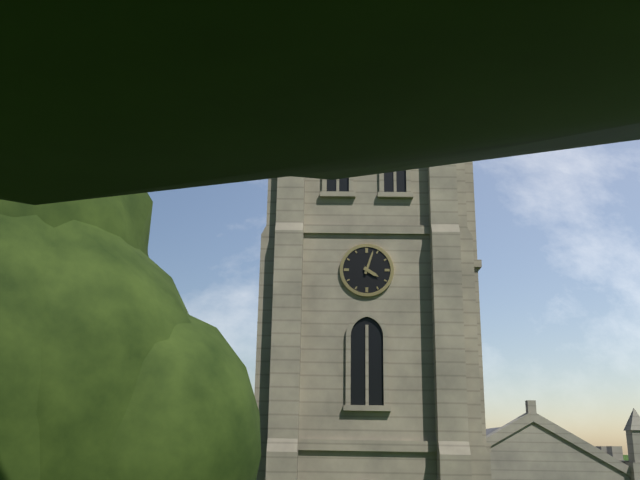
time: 4:03
